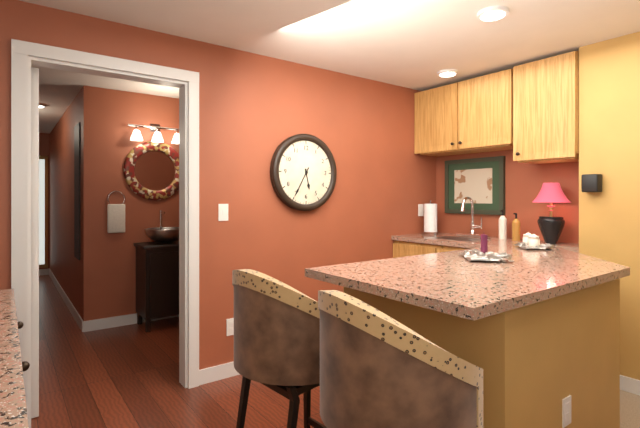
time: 5:35
